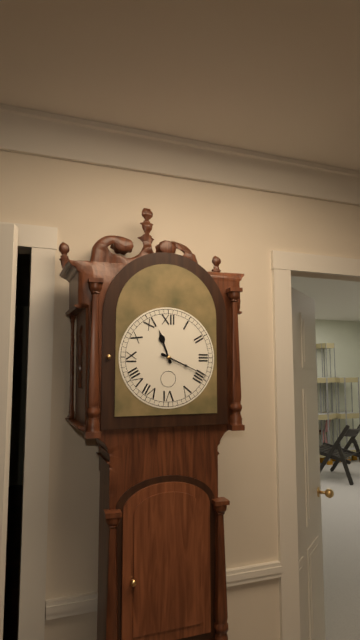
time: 11:19
